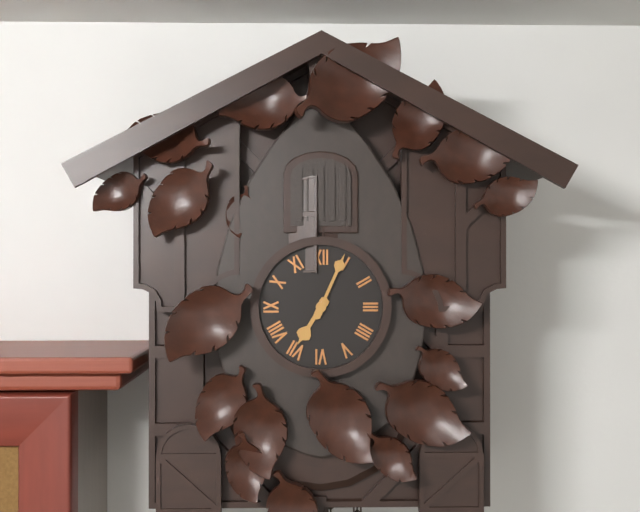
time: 7:04
